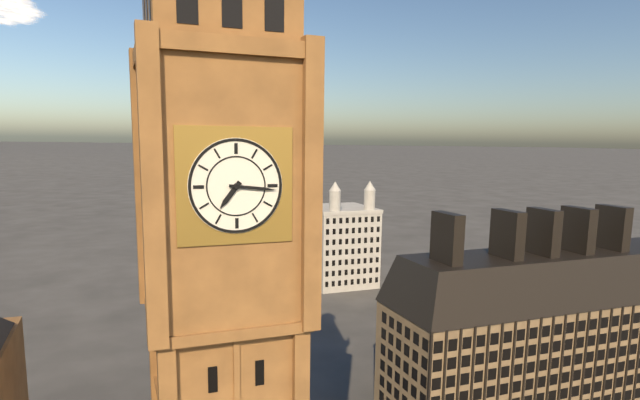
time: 7:16
